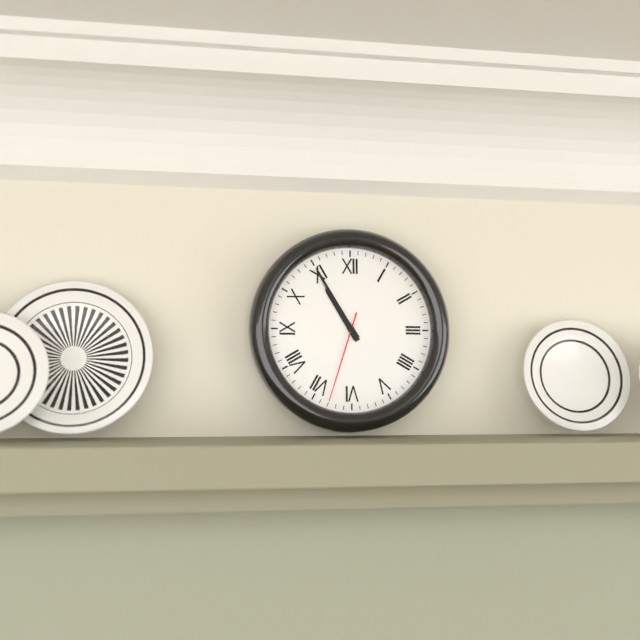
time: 10:55:33
